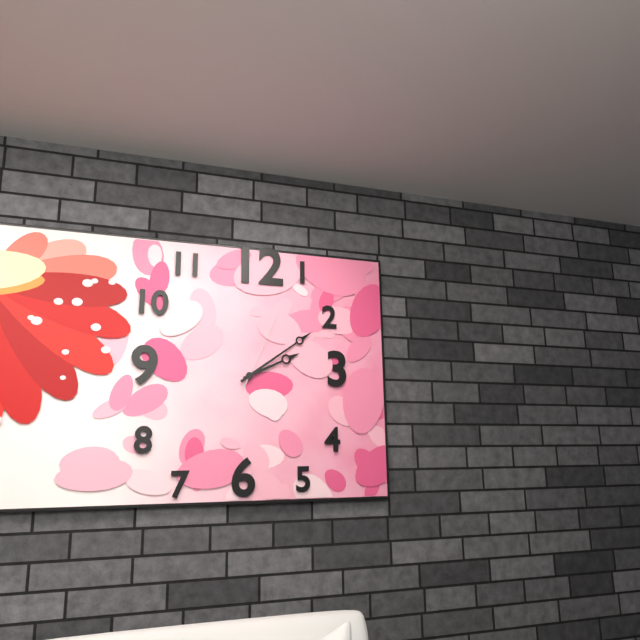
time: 2:09:04
